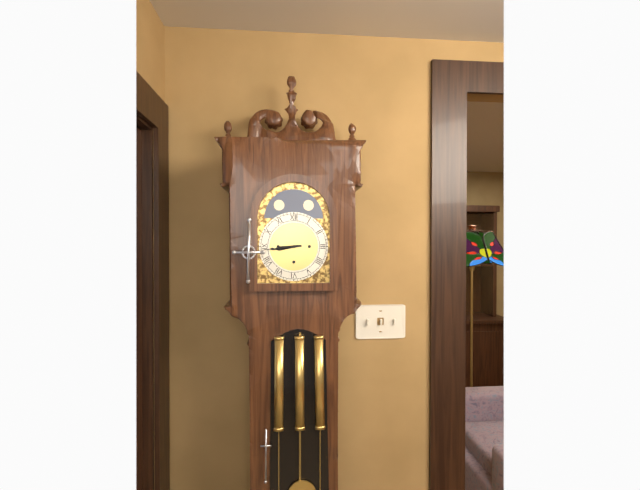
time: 8:44
